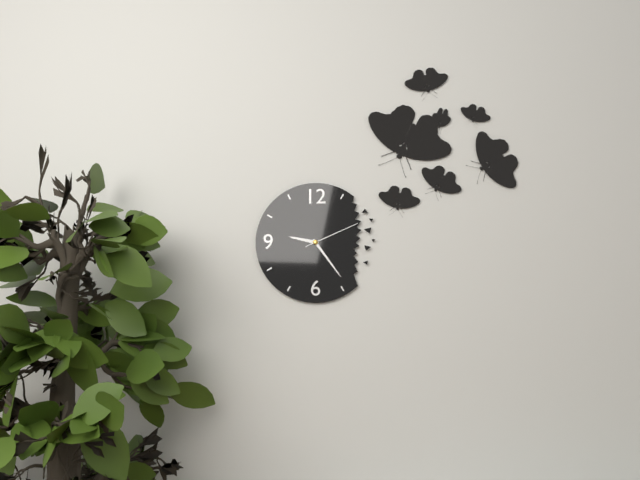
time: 9:24:11
